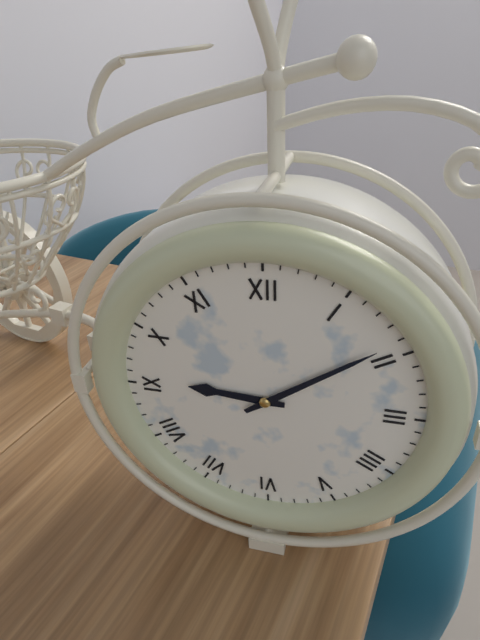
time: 9:09
